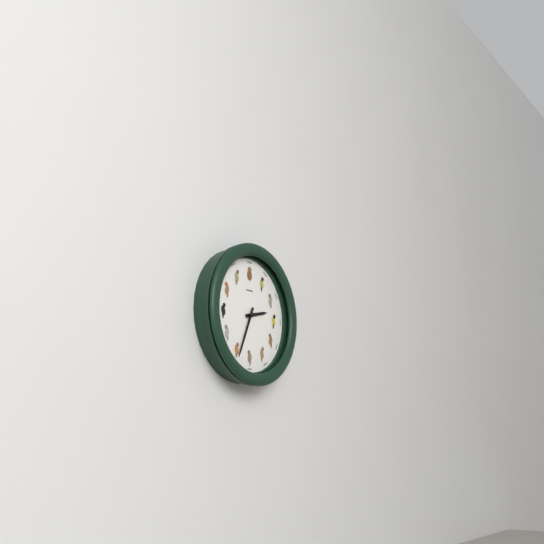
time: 2:34
